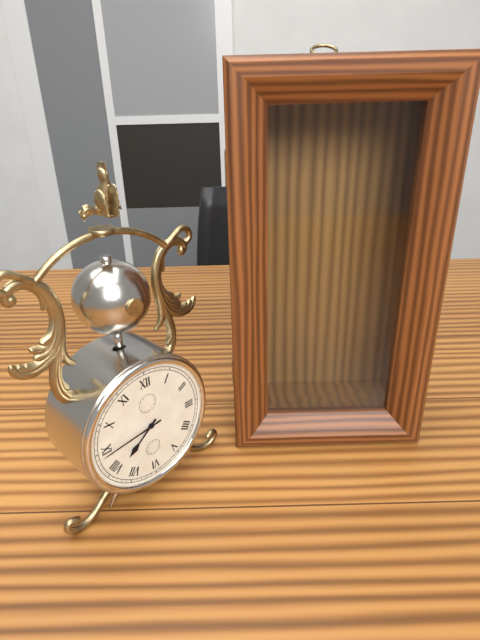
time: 7:44
